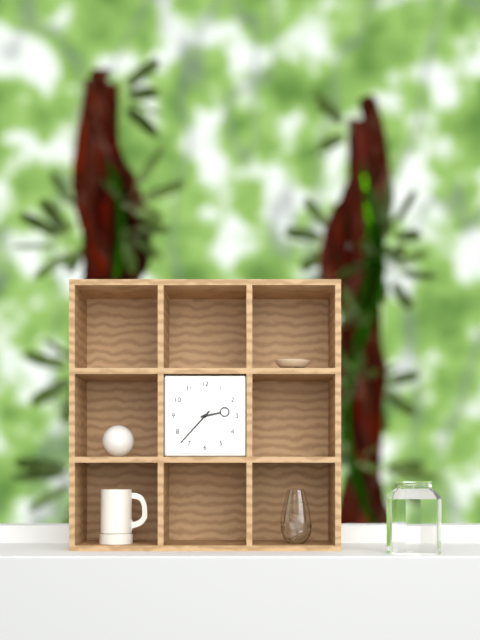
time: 2:37
